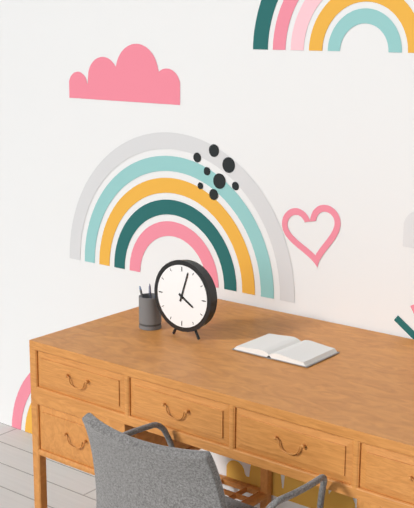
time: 4:03
